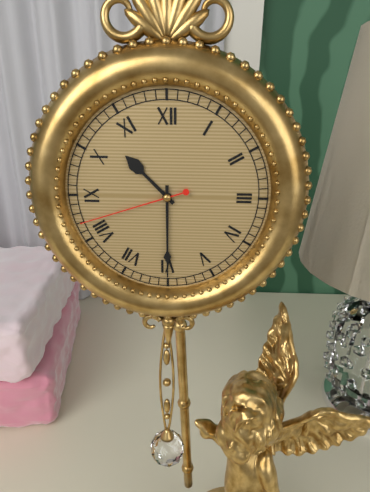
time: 10:30:42
